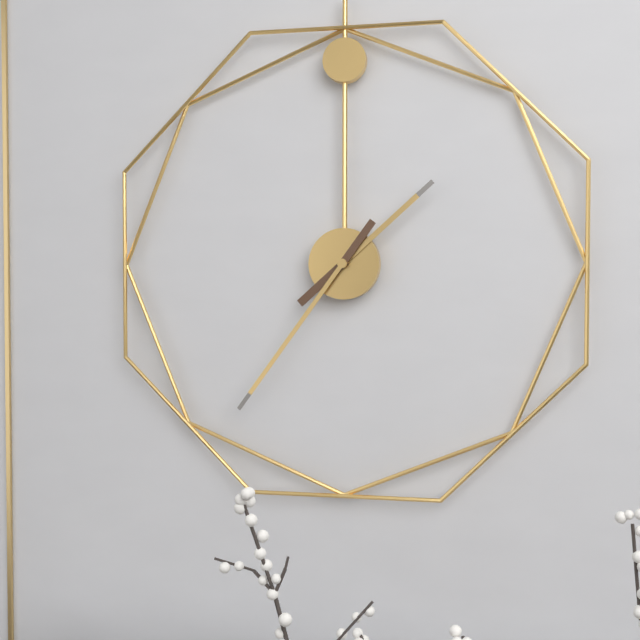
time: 1:36
